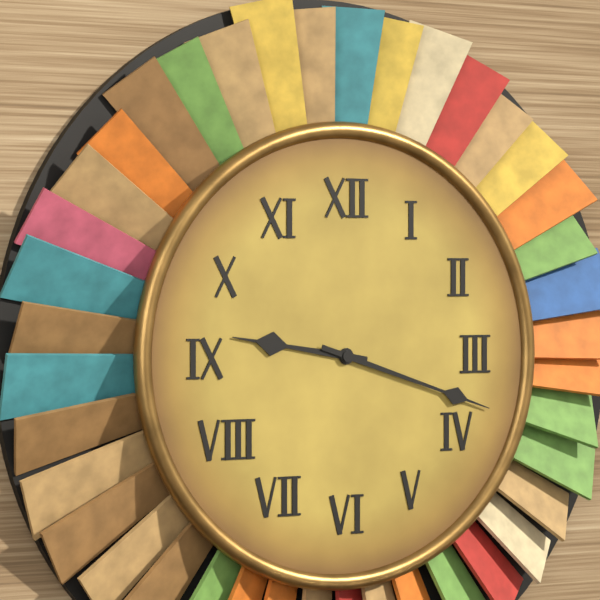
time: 9:18
